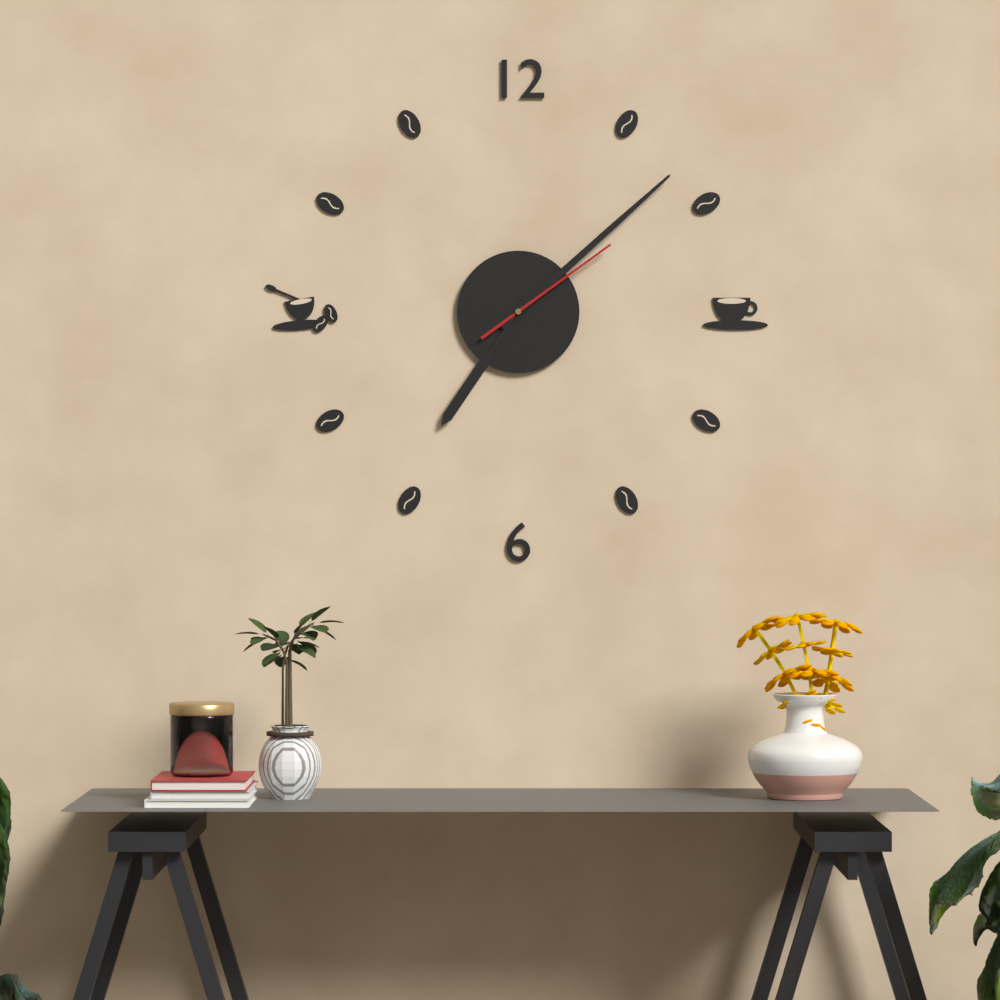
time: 7:08:09
